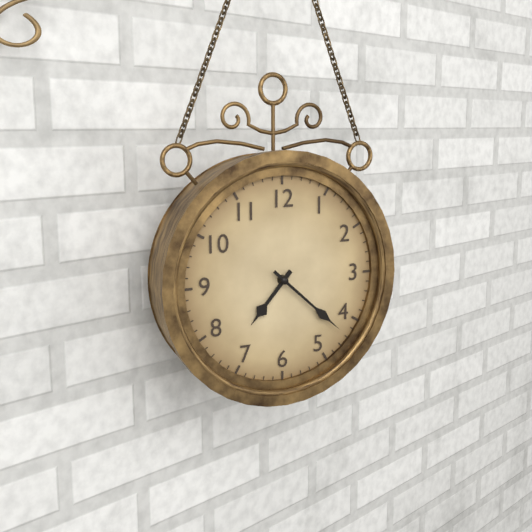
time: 7:22
